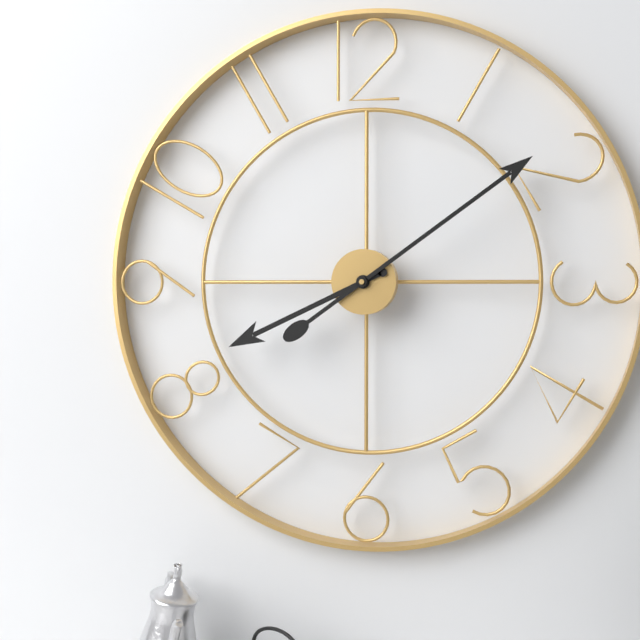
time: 8:09
